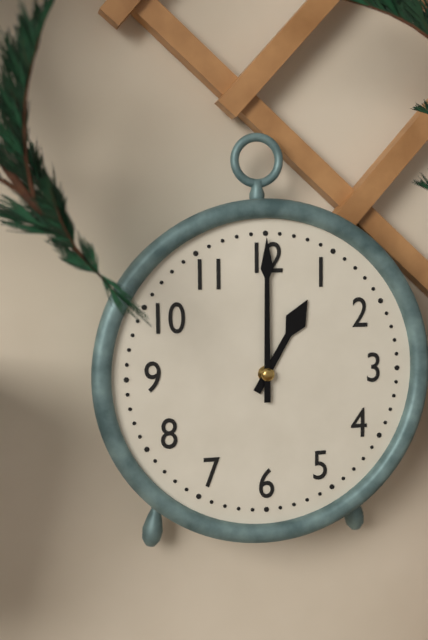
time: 1:00
